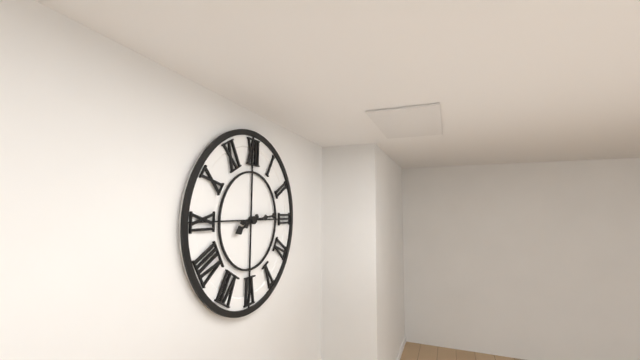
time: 8:14
